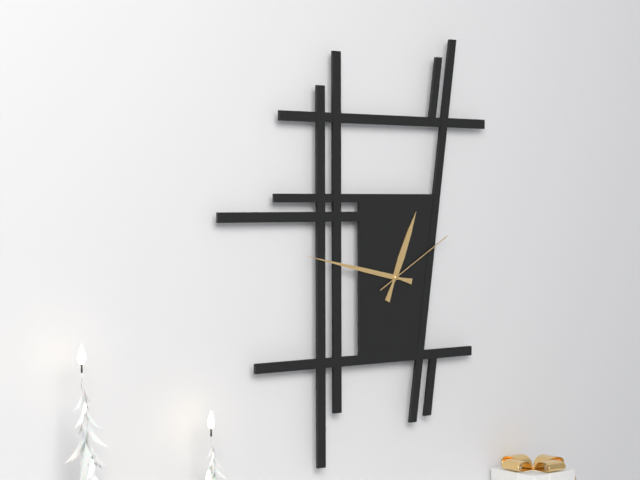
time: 12:47:10
